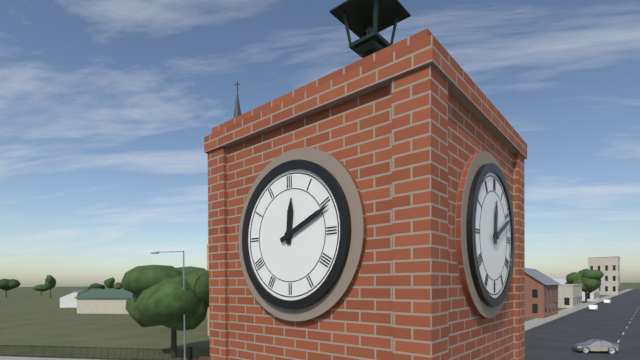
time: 12:11
